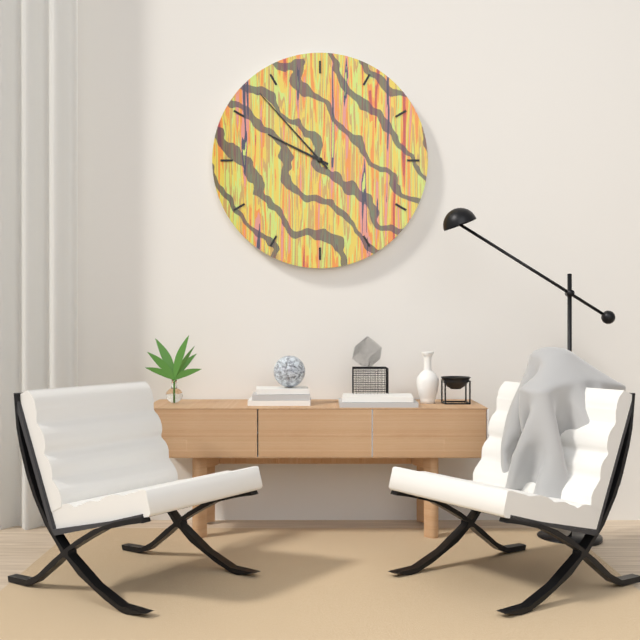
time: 9:53
